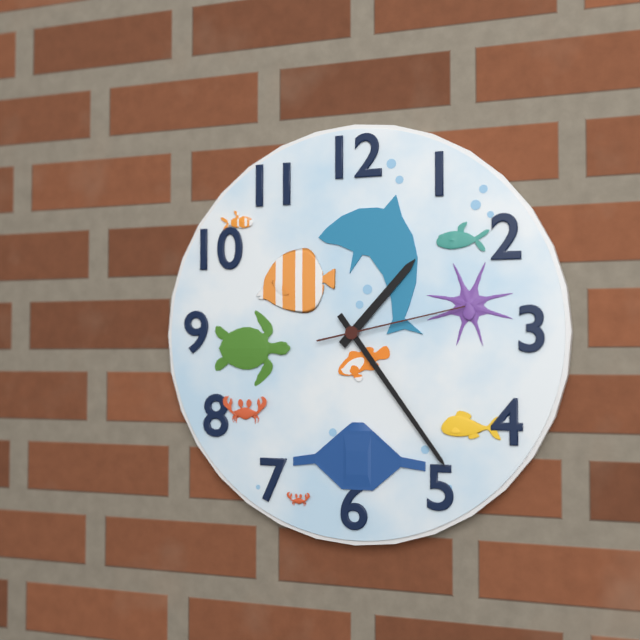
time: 1:24:13
